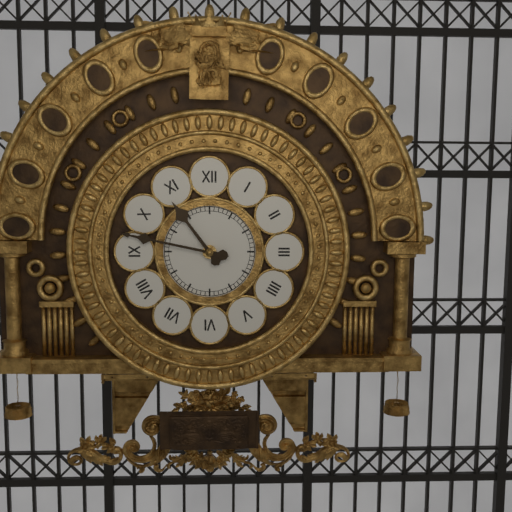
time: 10:47
